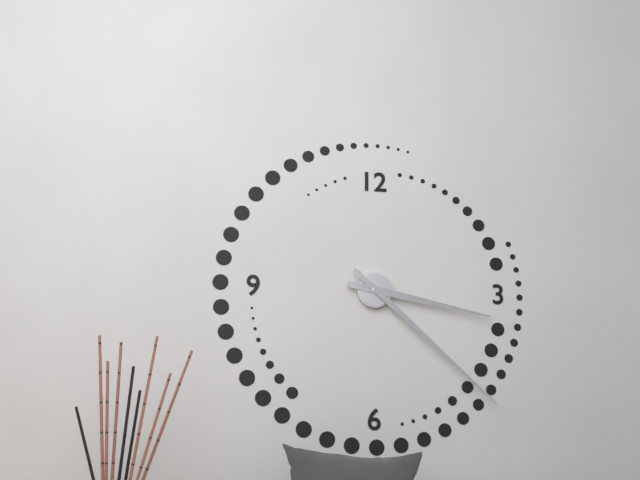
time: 3:22
